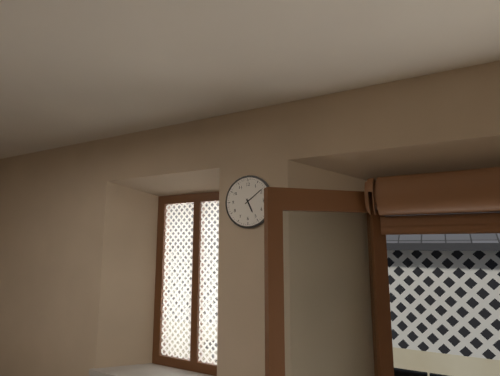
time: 5:09
